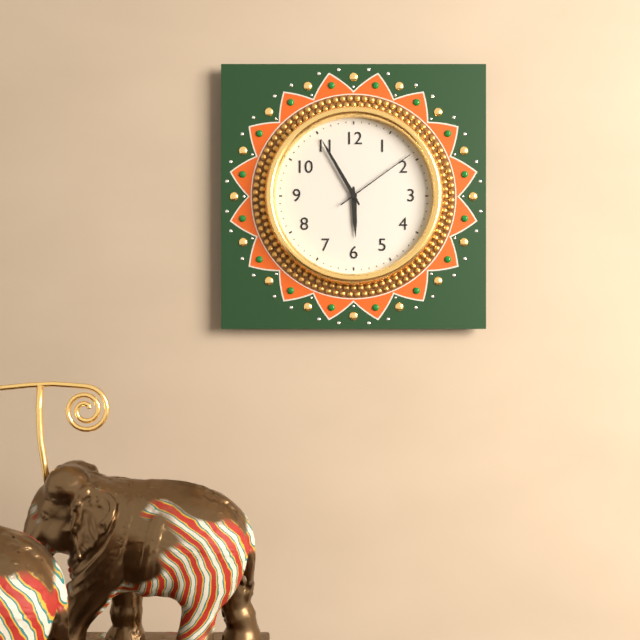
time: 5:55:09
